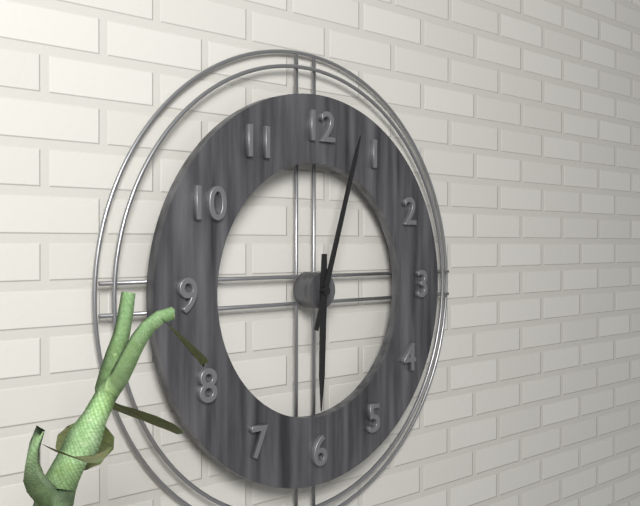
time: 6:03
